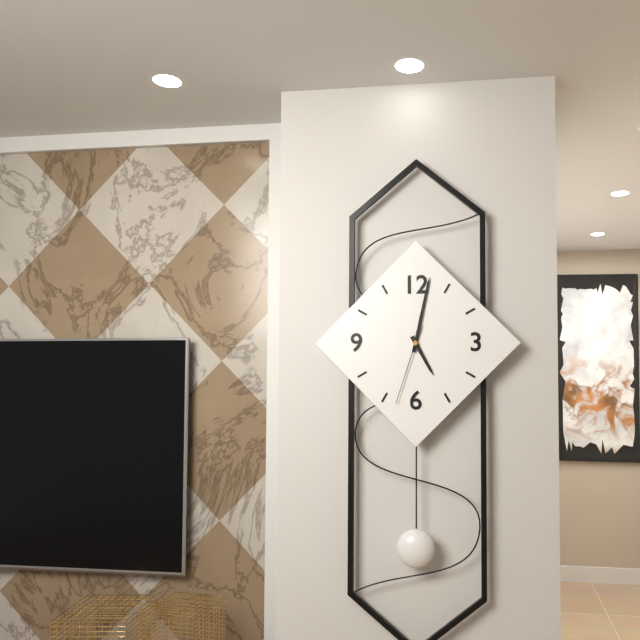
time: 5:02:33
